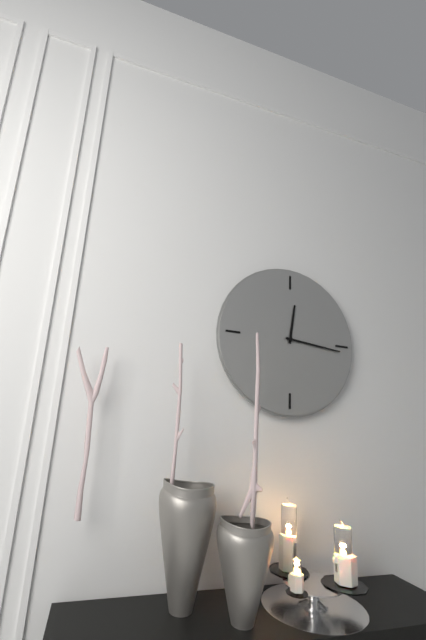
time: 12:16
